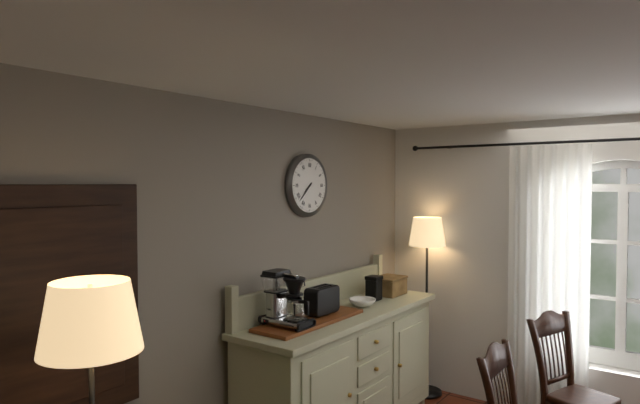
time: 7:38
